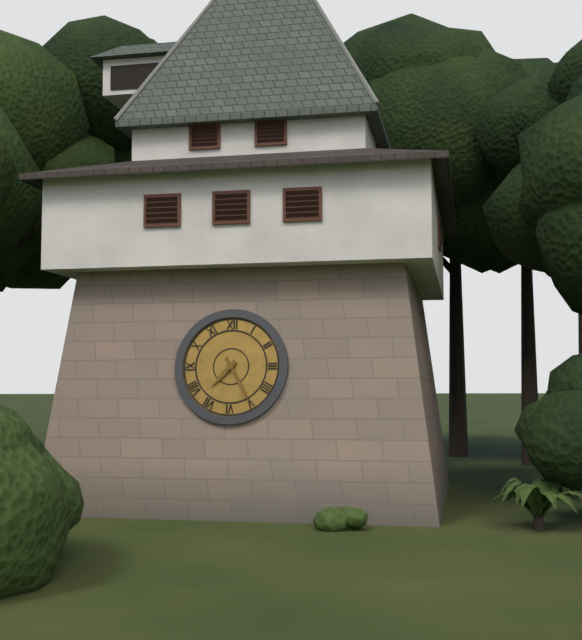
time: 7:25
